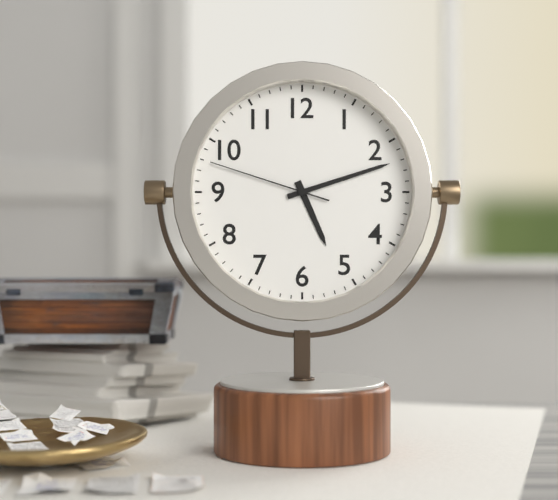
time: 5:12:48
